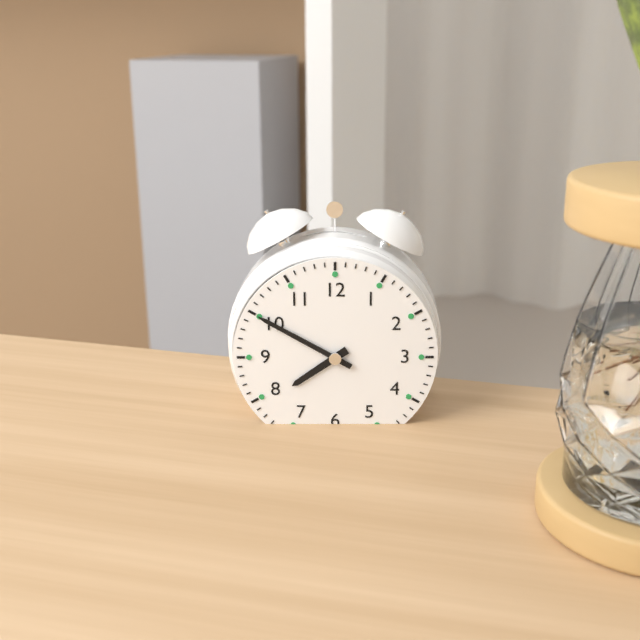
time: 7:50
